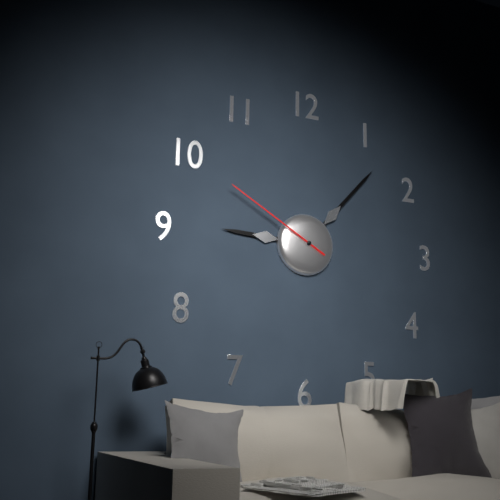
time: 9:07:50
